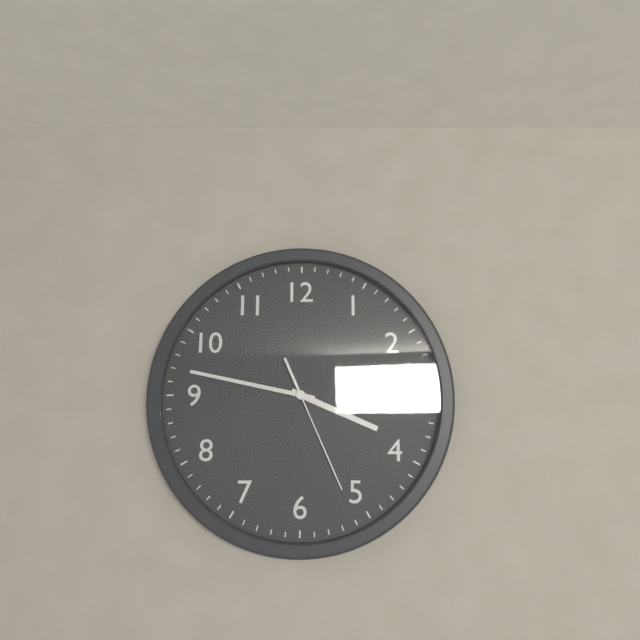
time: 3:47:26
